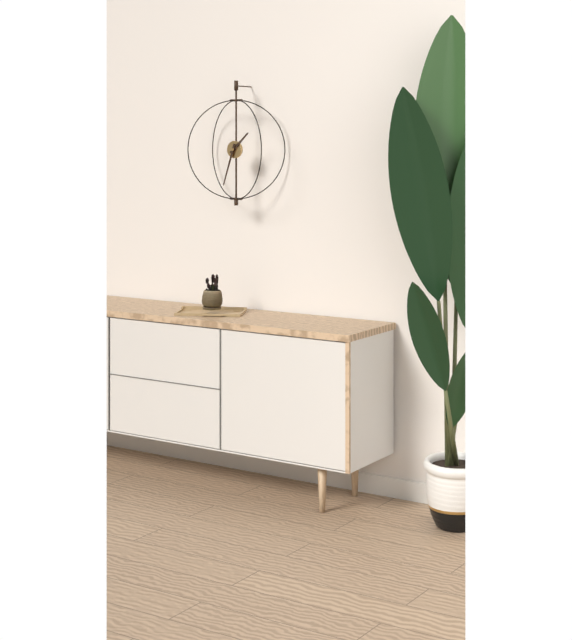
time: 1:33
